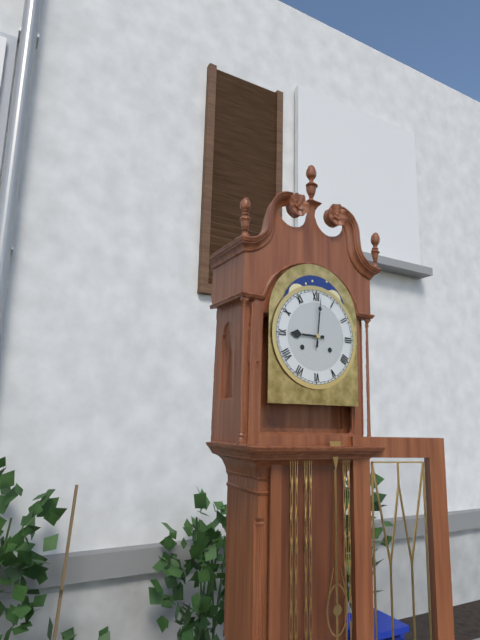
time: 9:01
